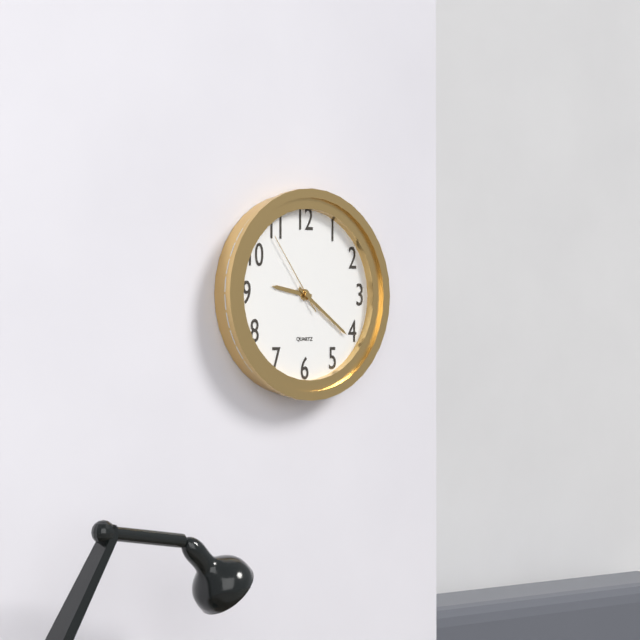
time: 9:21:54
